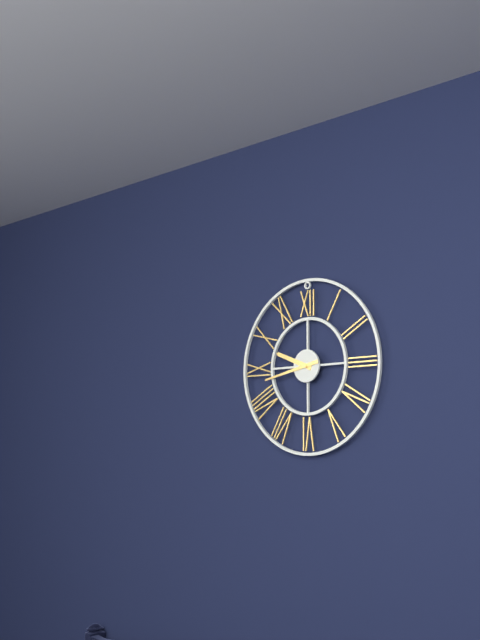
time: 9:43
